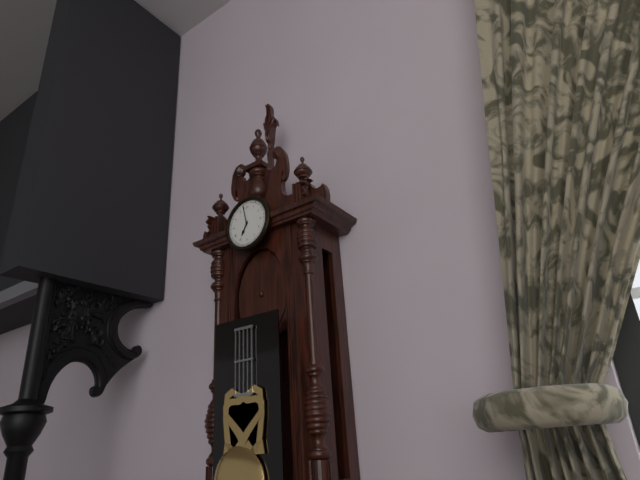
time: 6:58
